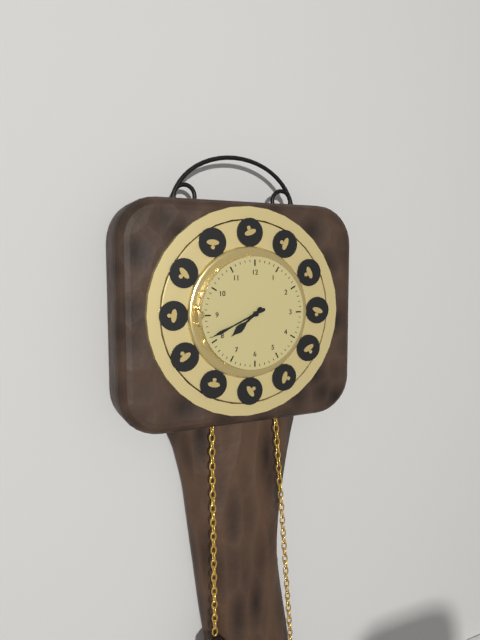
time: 7:41
